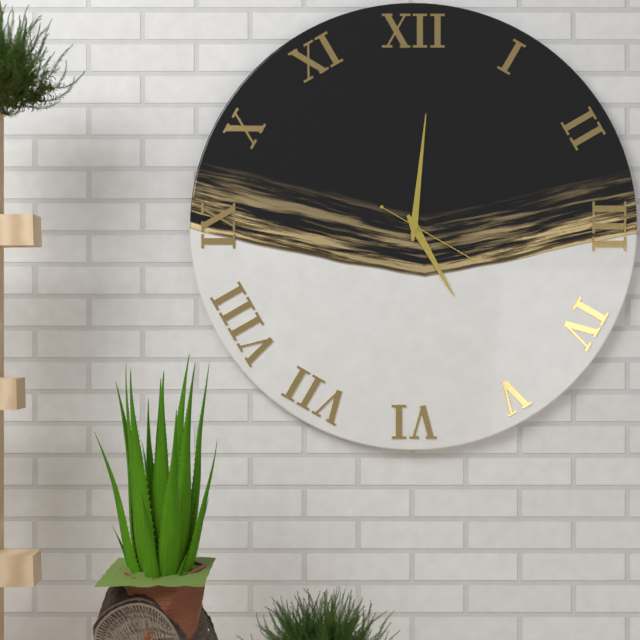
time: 5:01:20
